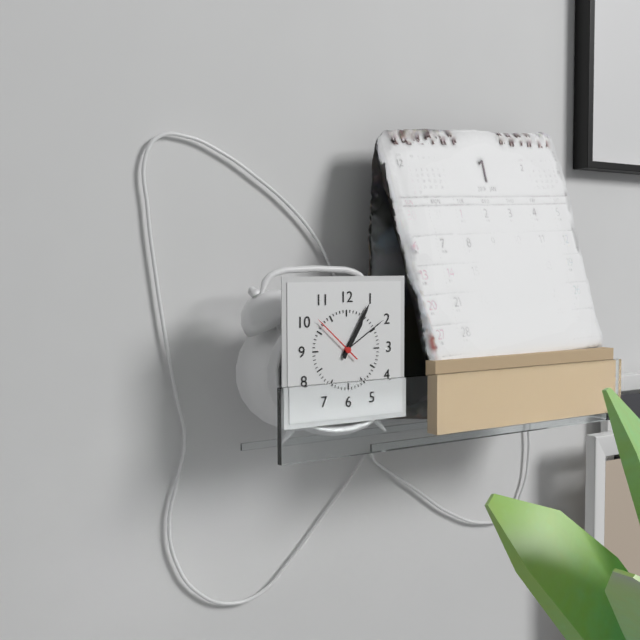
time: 1:05:52
